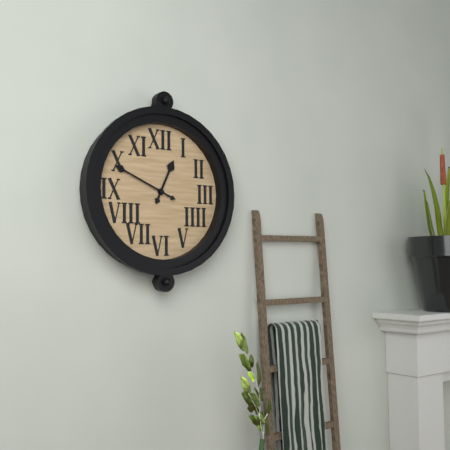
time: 12:49
